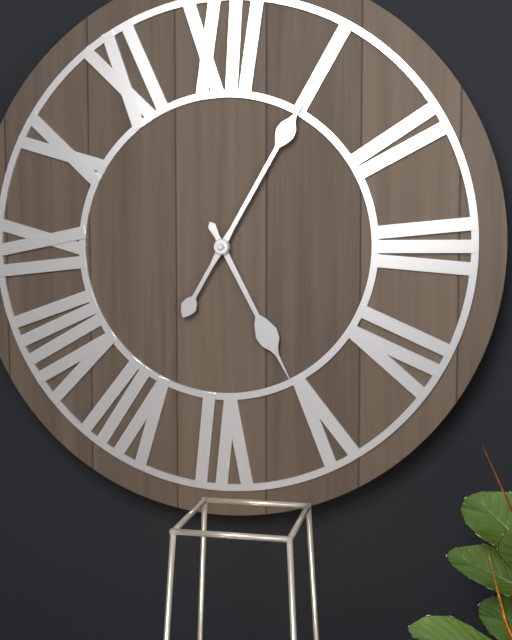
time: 5:05
